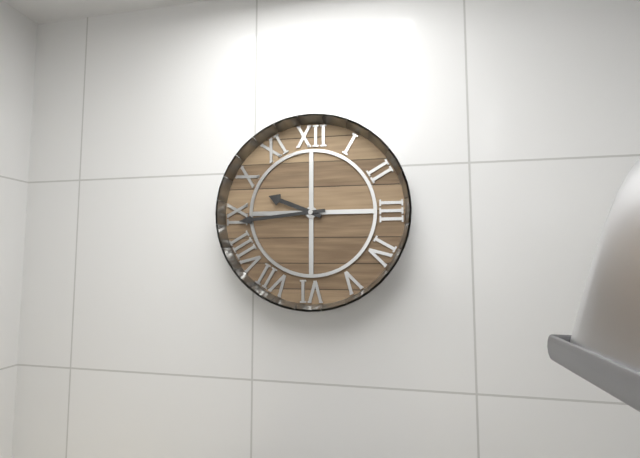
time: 9:44
